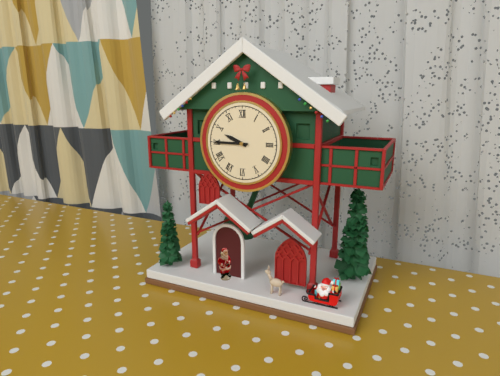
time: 9:45
